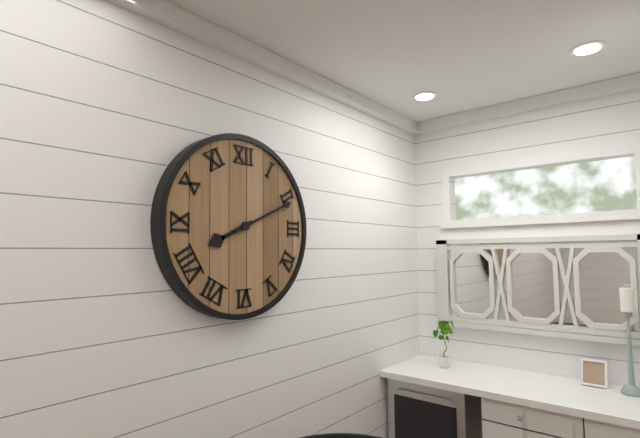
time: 8:11
